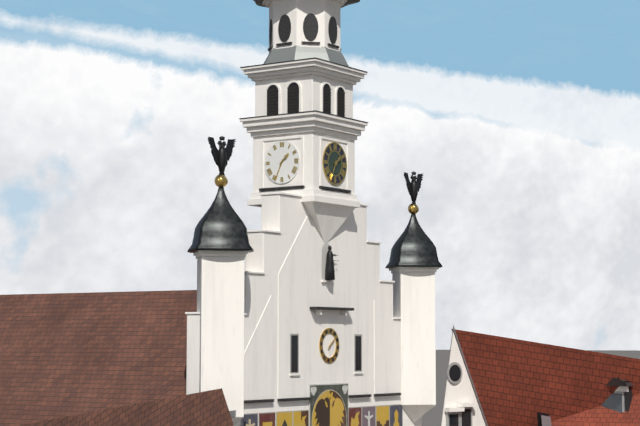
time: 1:34
